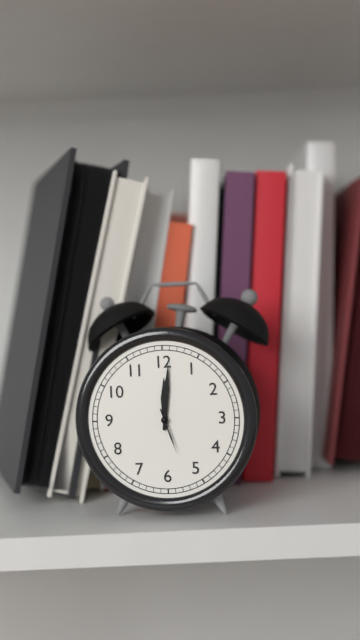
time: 12:01
